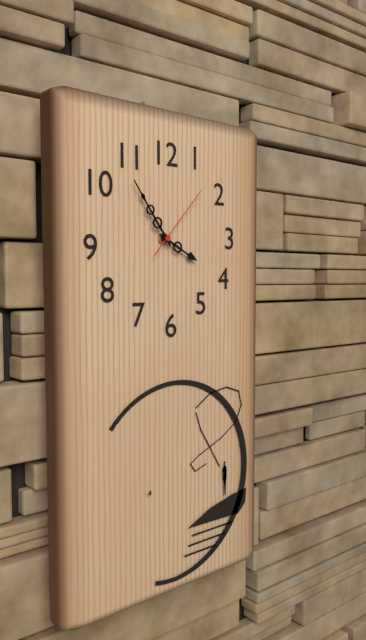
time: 3:54:07
